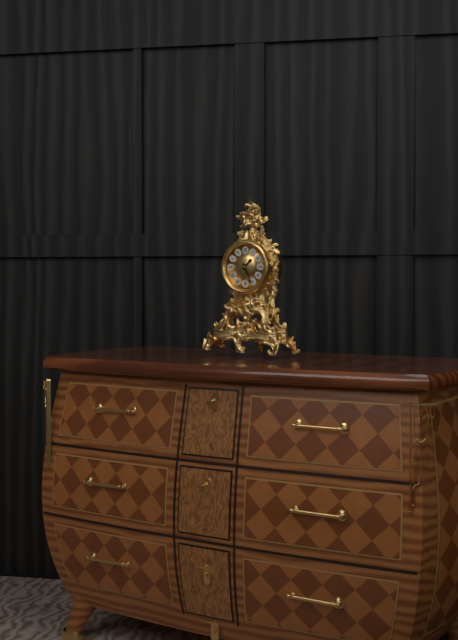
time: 1:26
